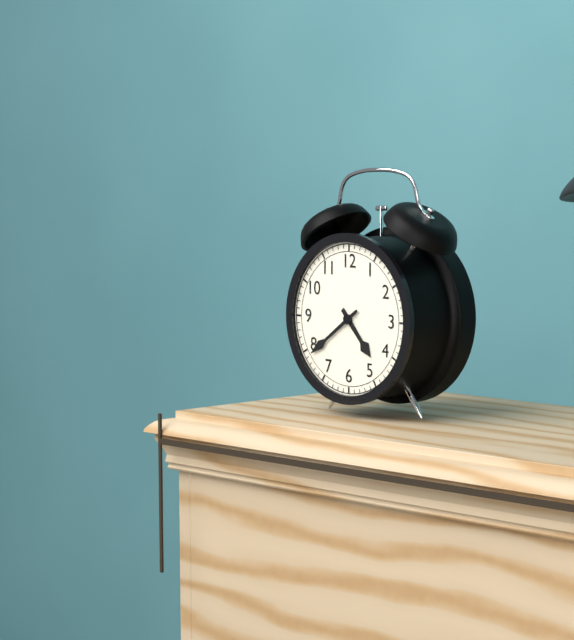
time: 4:39
